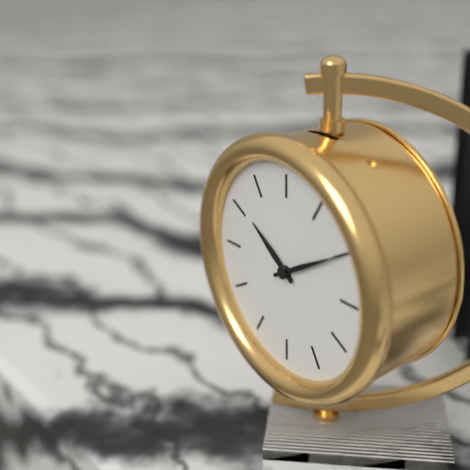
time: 10:10
